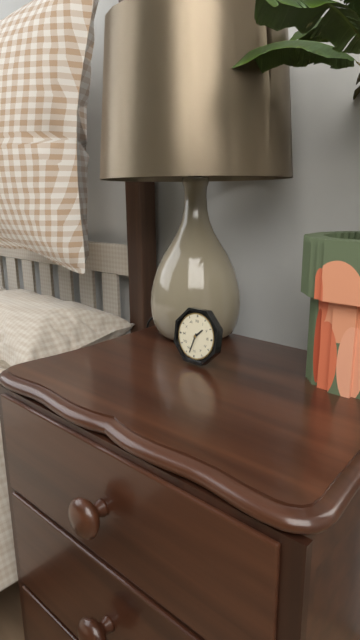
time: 1:33
